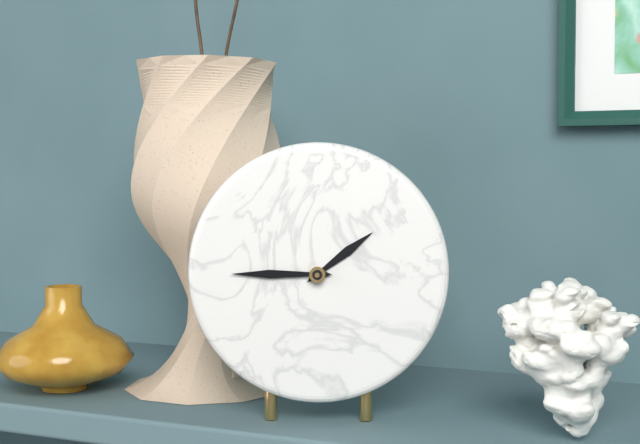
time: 1:45
